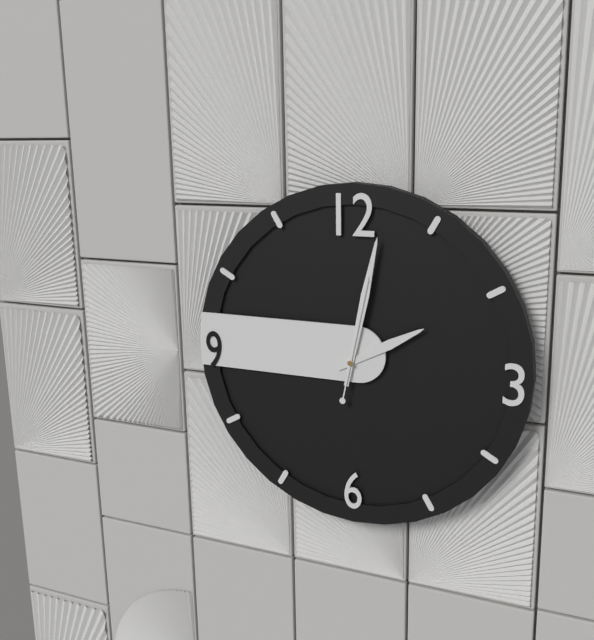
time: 2:02:02
